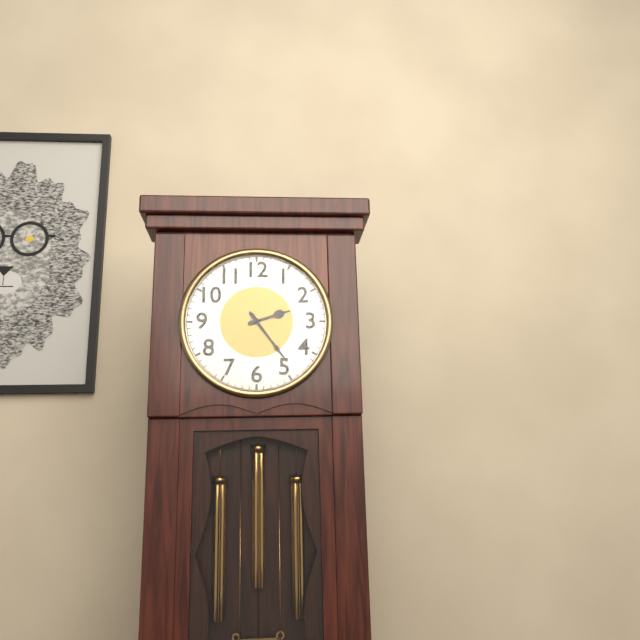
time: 2:24
